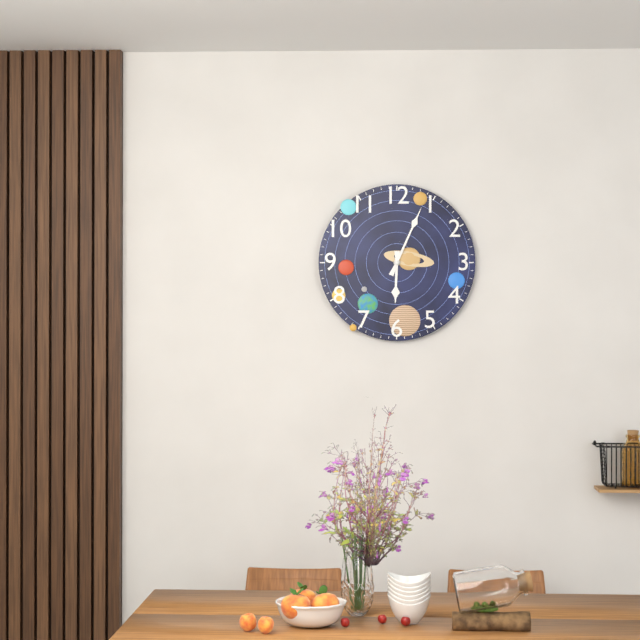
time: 6:04
